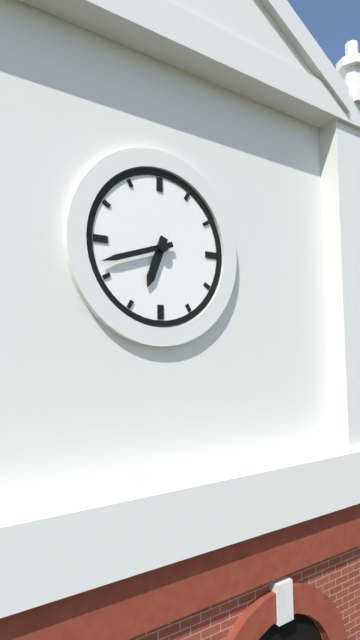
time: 6:42
